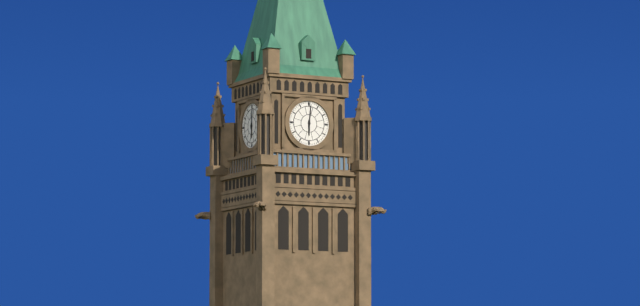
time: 6:01
